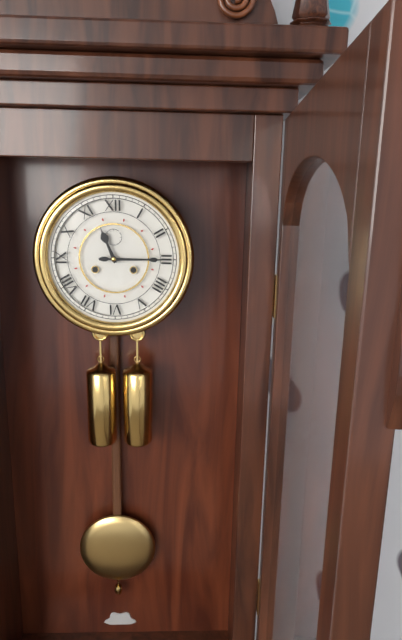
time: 11:15
